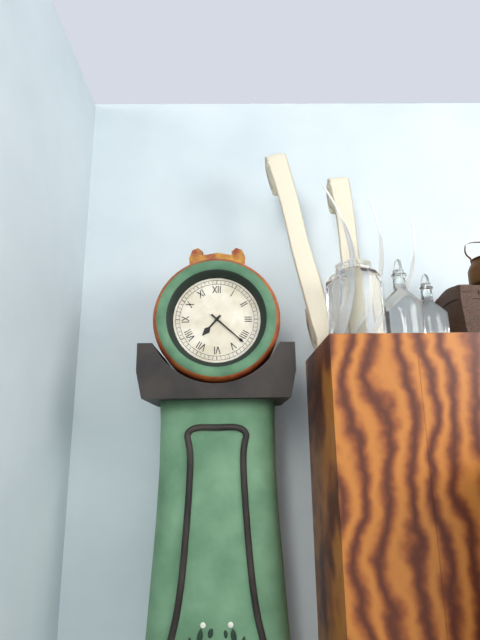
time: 7:22
